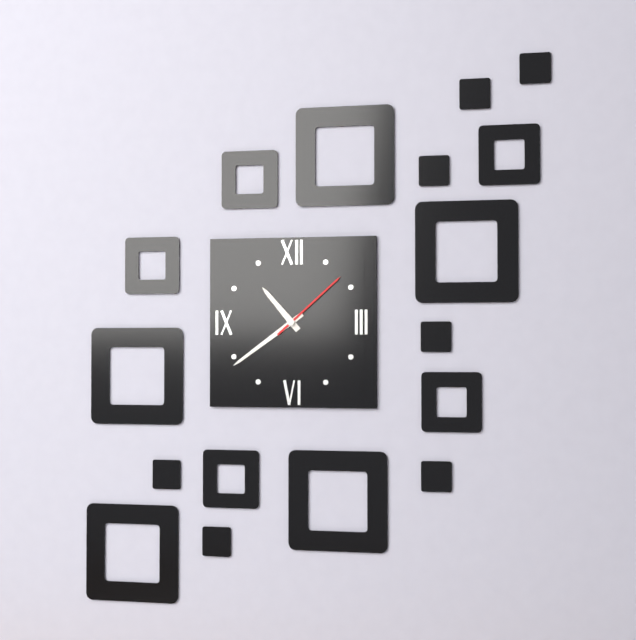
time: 10:39:08
